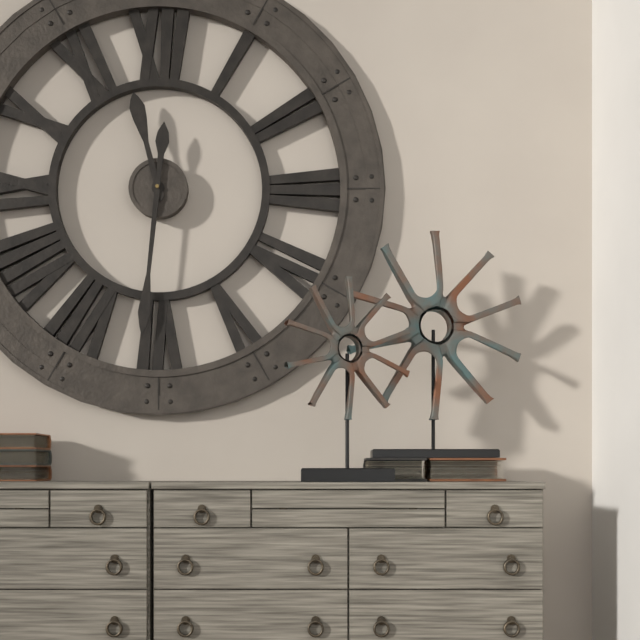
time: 11:31
